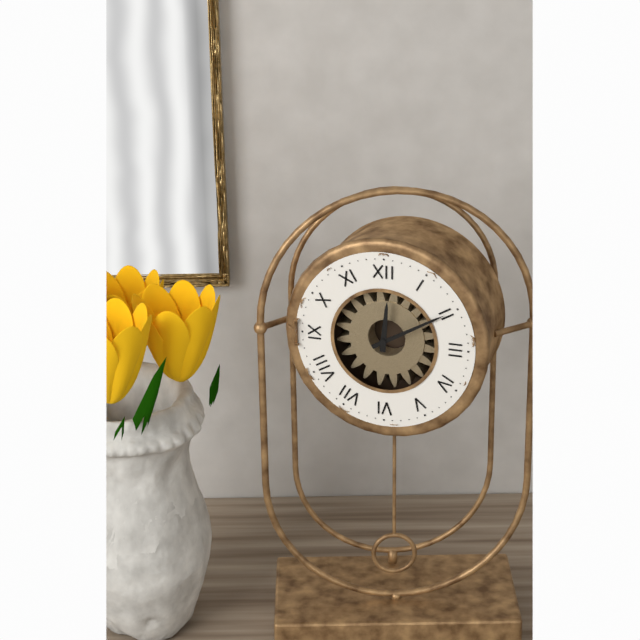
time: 12:10
